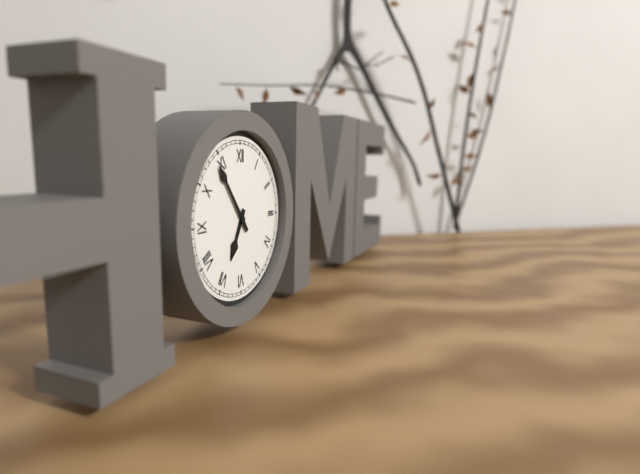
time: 6:54
